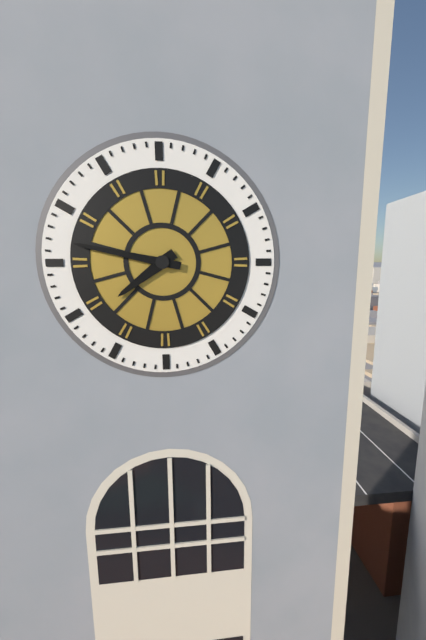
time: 7:47
